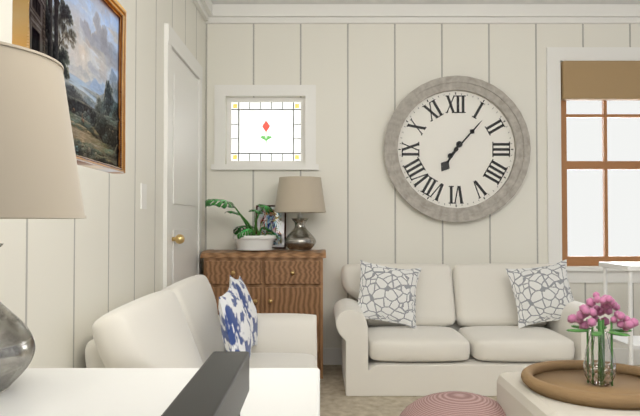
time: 7:07
